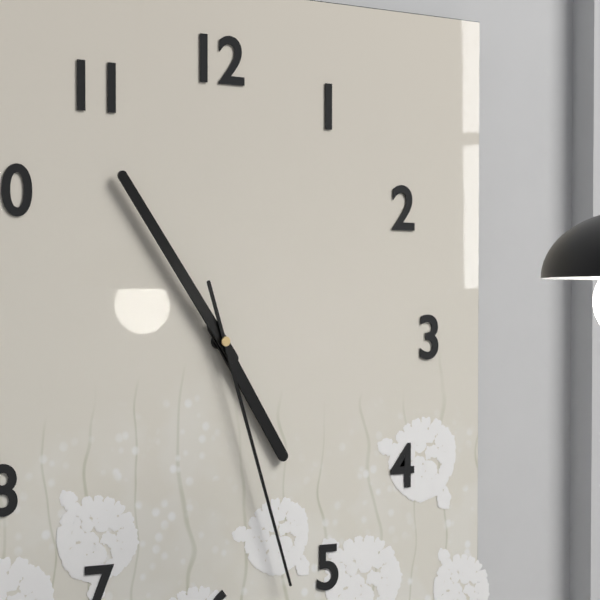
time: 4:54:27
